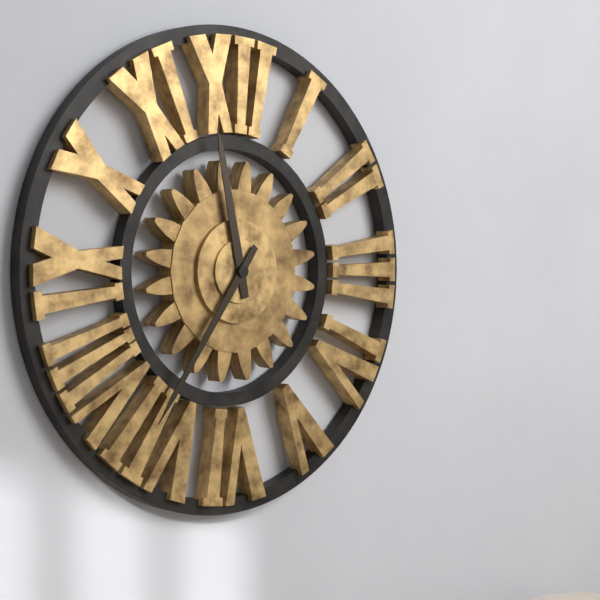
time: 11:36
